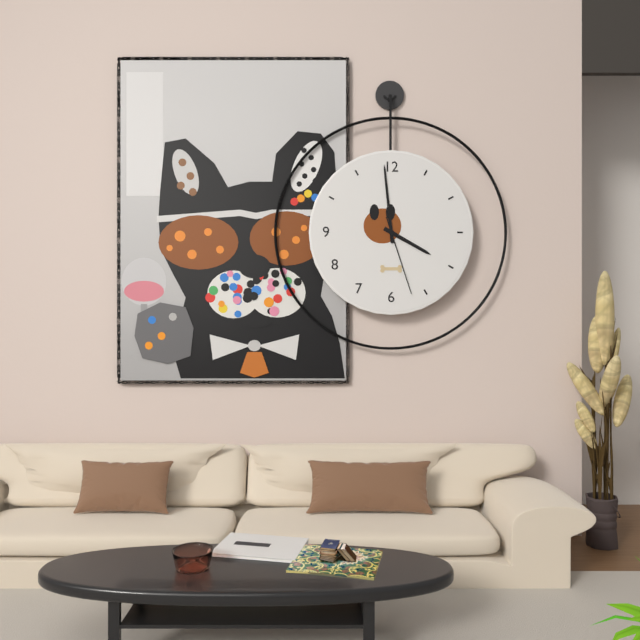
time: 3:59:27
